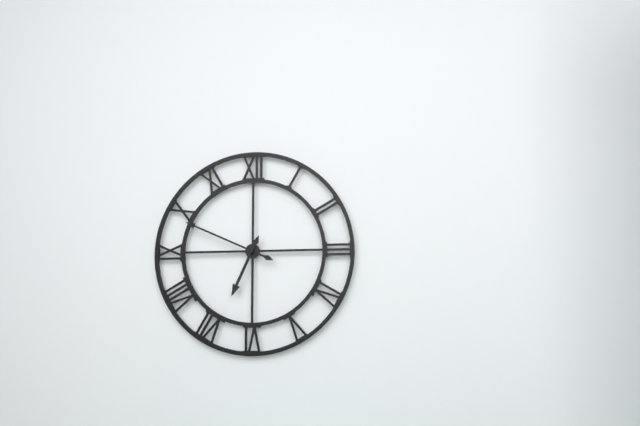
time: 6:49
